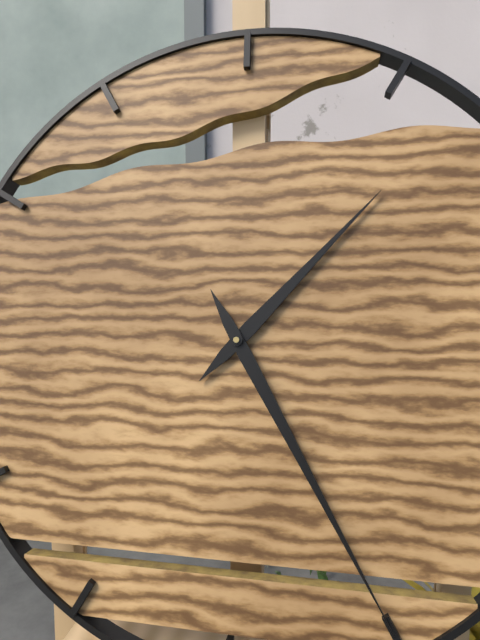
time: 1:25
